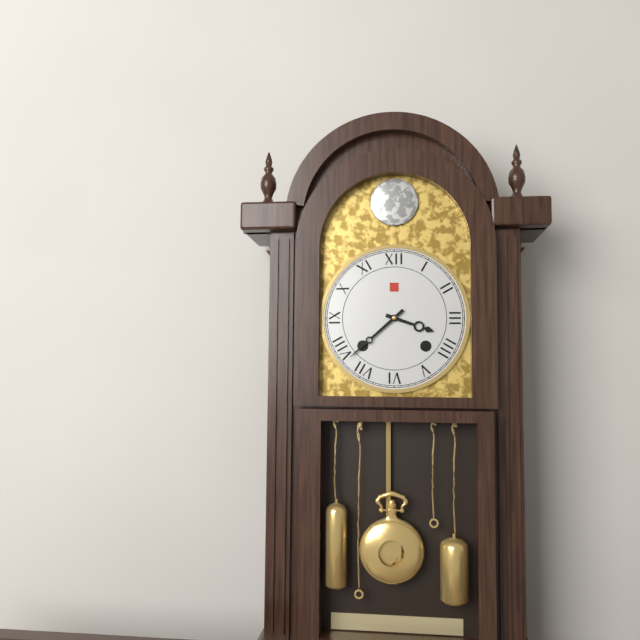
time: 3:38
